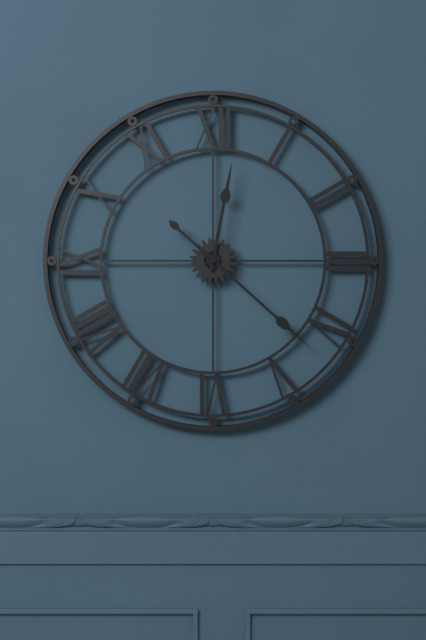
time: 12:22
